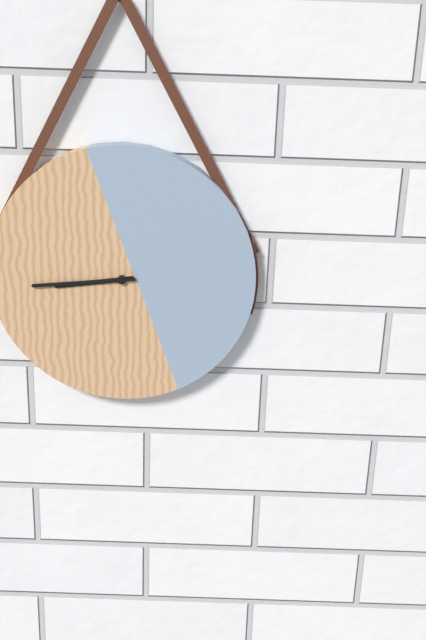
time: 8:44
